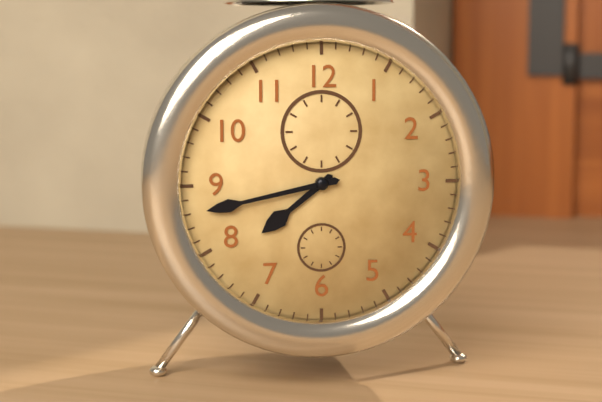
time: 7:43
